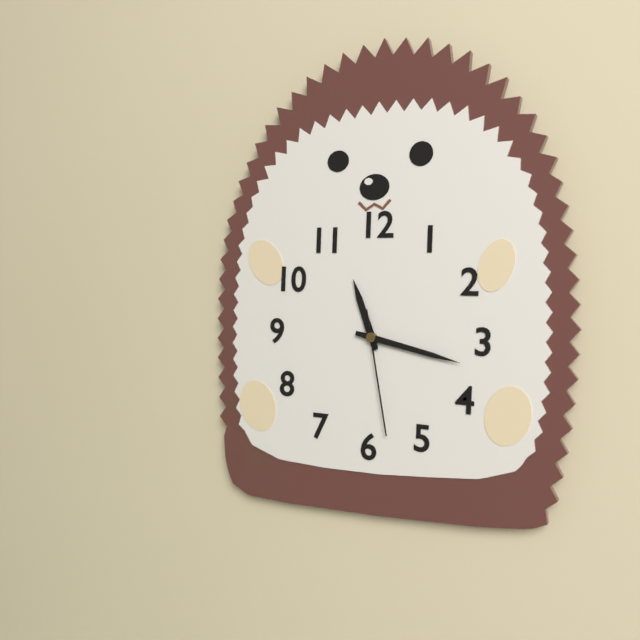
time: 11:17:28
